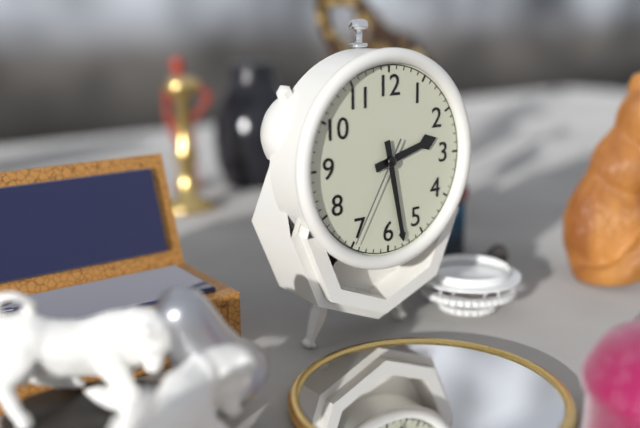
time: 2:28:35
